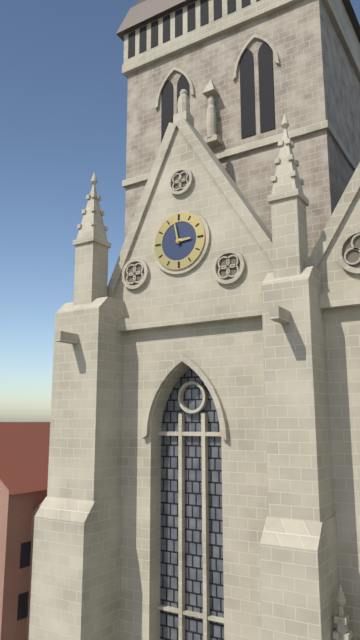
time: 2:58
